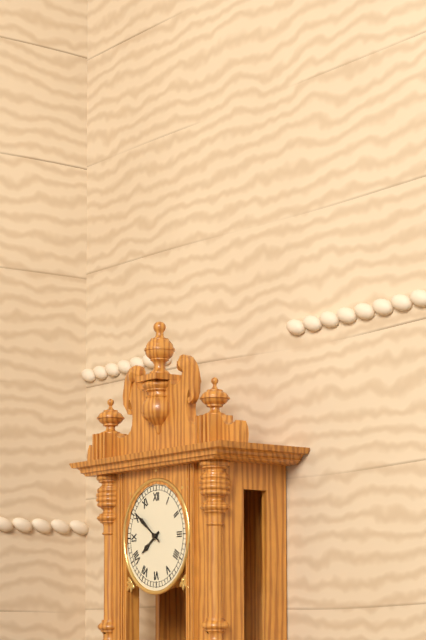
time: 7:51
